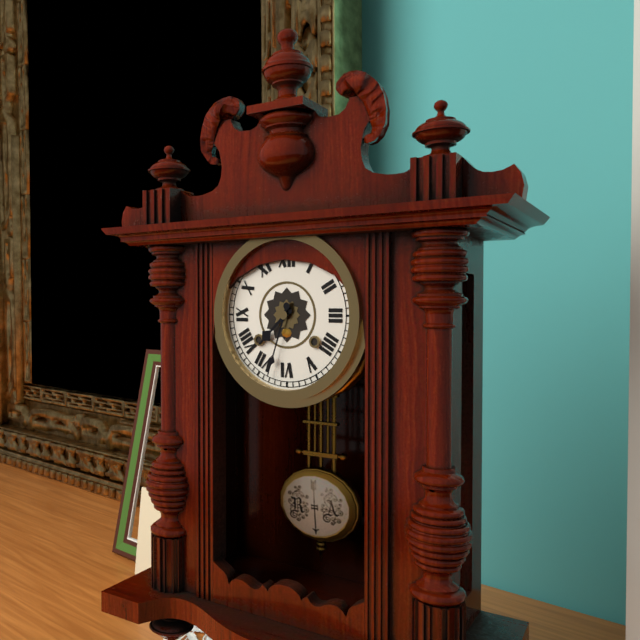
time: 7:33
